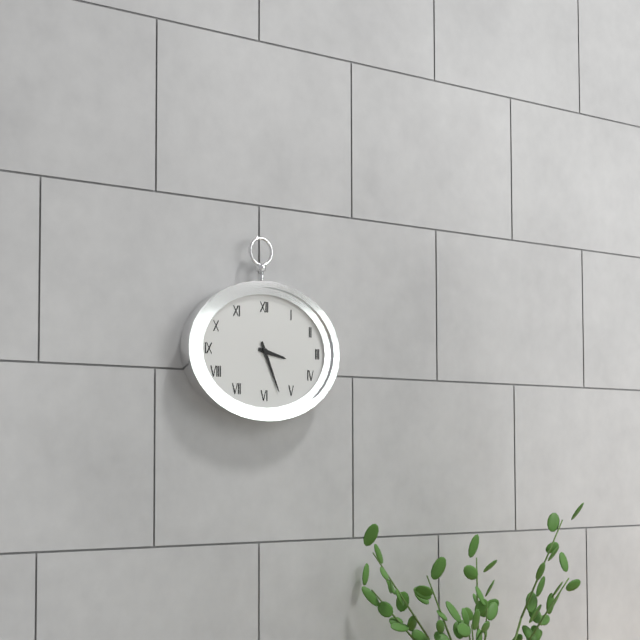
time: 3:26
